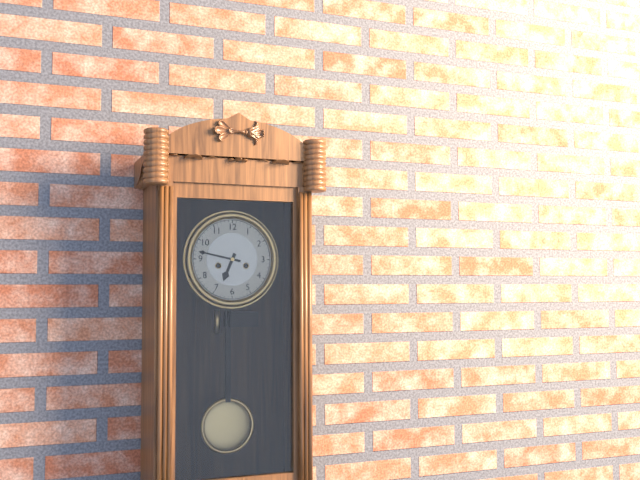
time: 6:47
